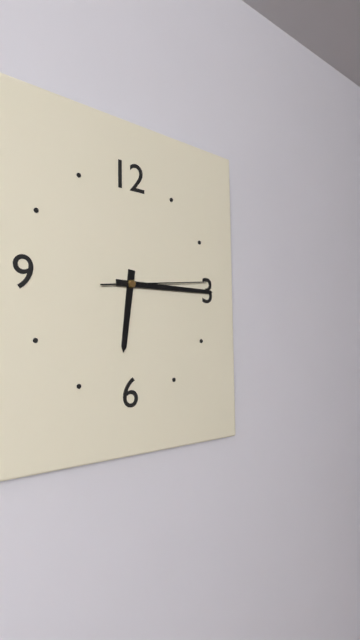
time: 6:15:14
